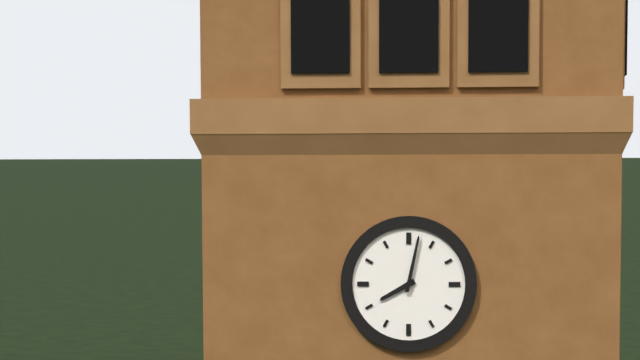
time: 8:02
